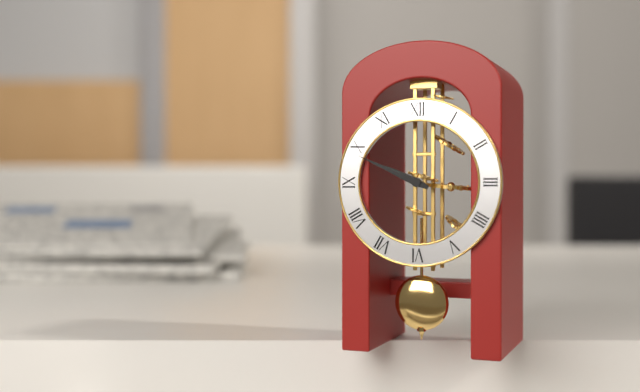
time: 9:49
